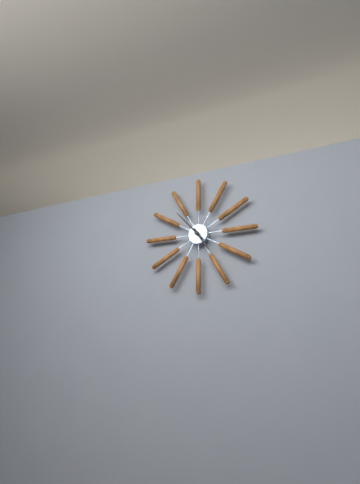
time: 4:53
